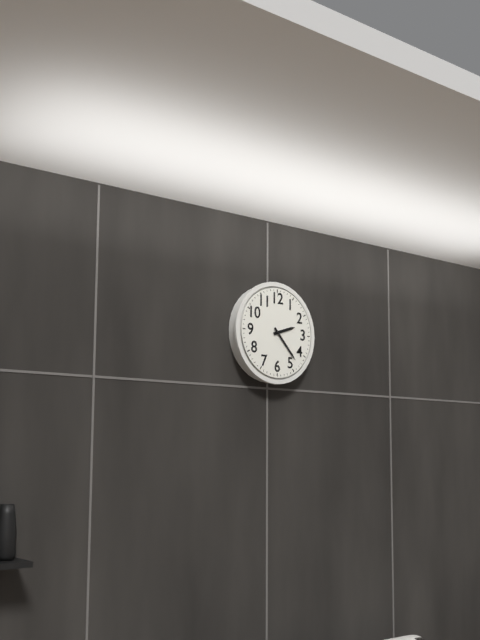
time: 2:23
